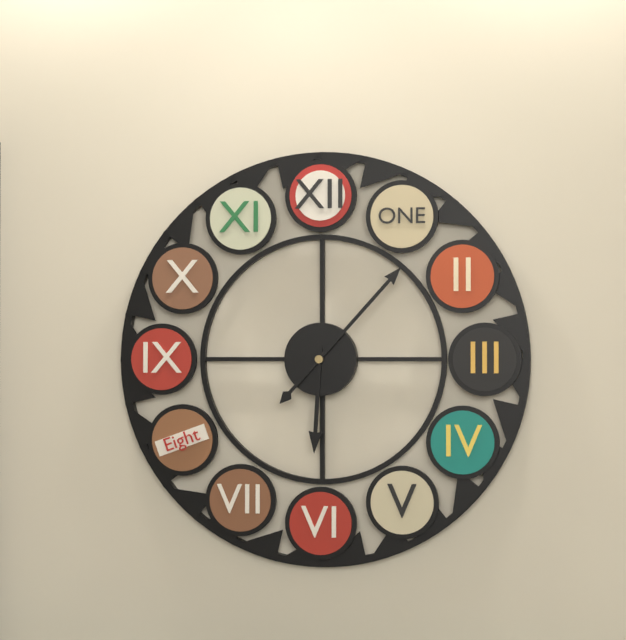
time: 6:07
